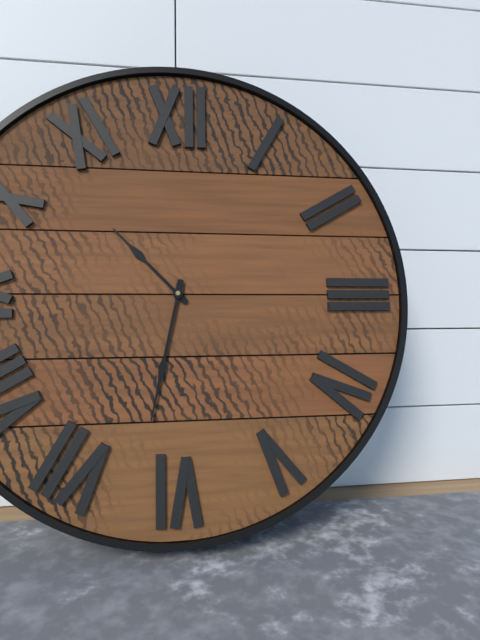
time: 10:32
